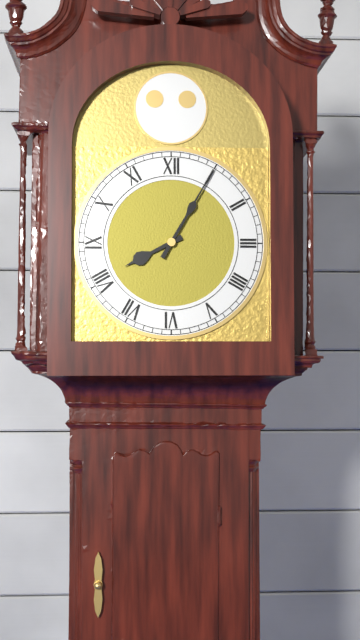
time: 8:05
